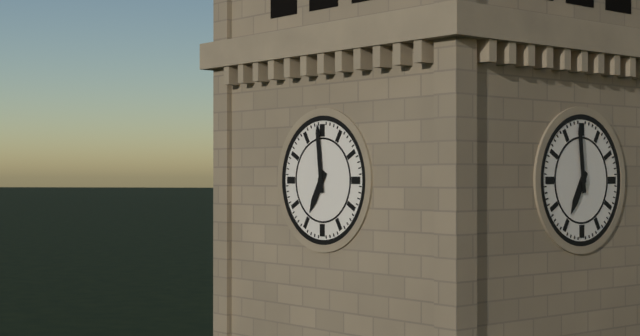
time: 6:59
